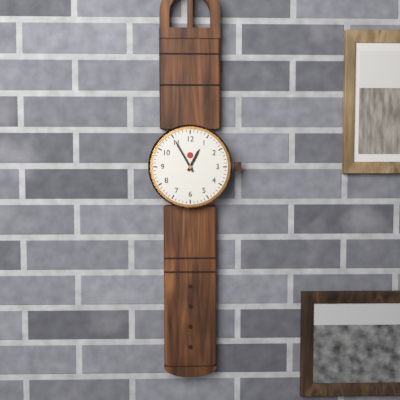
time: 12:55
